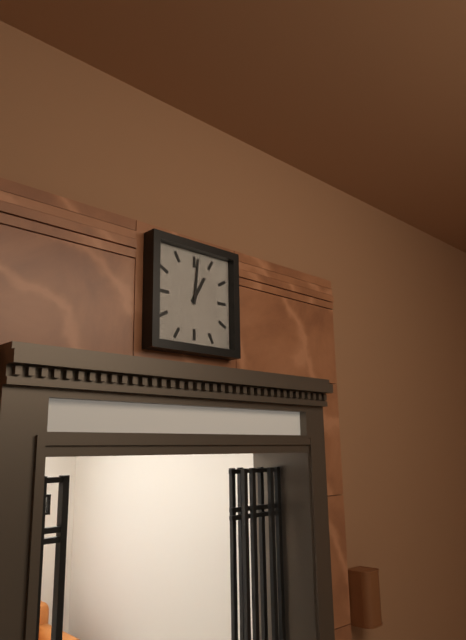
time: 1:01
